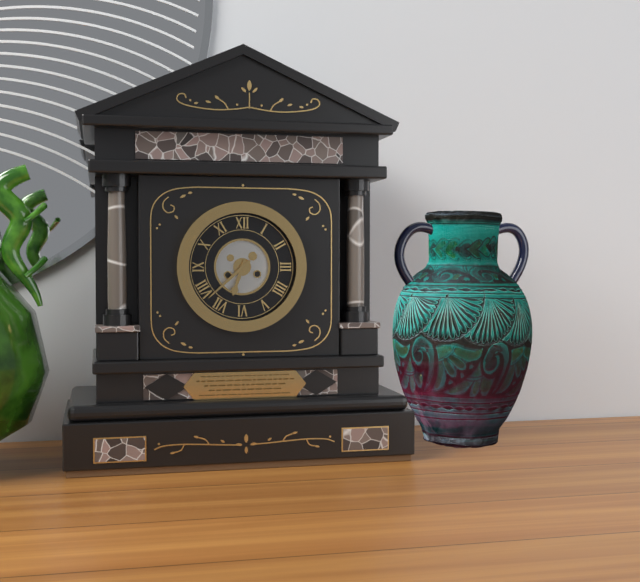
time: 6:38
